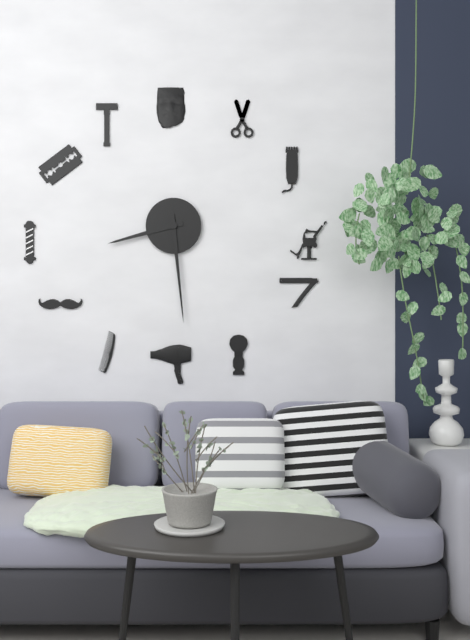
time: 8:29
